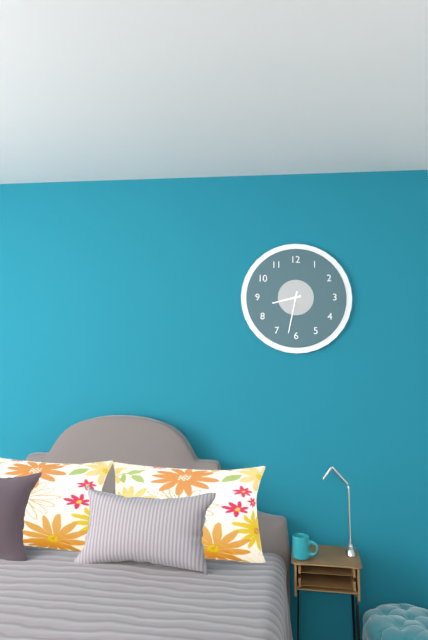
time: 8:32
